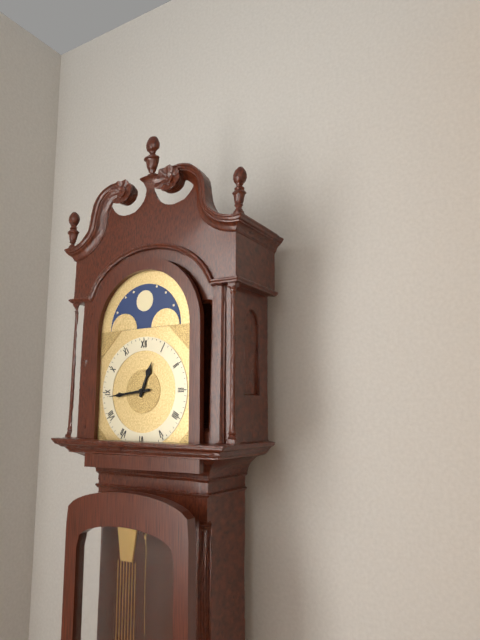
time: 12:44
